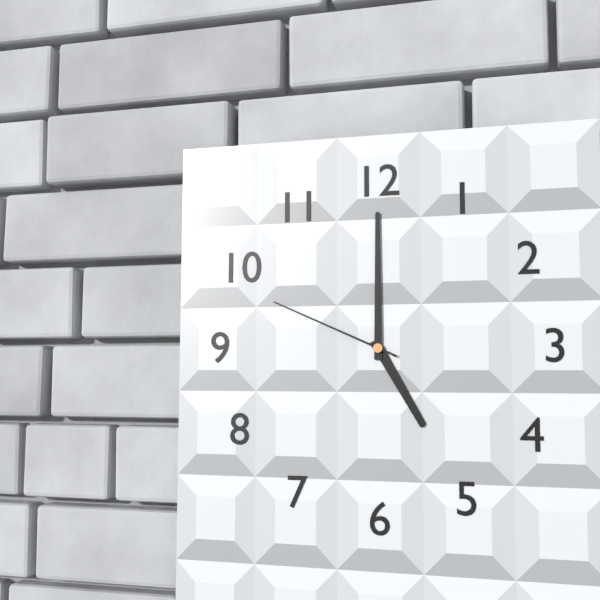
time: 5:00:49
